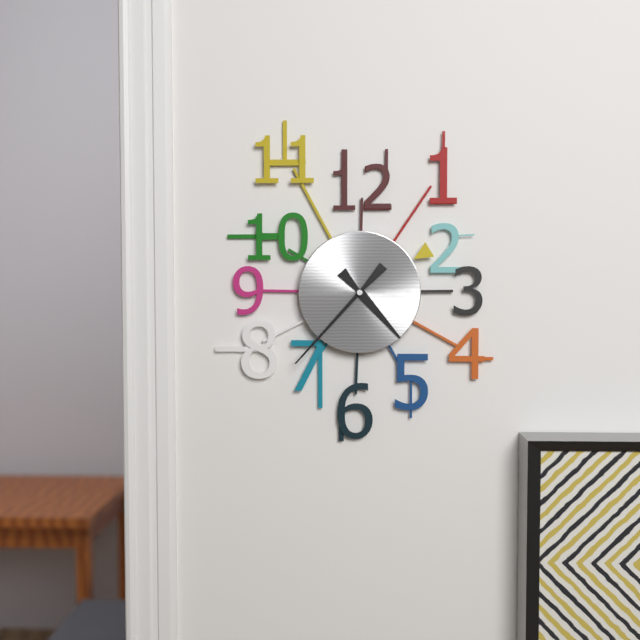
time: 4:37
